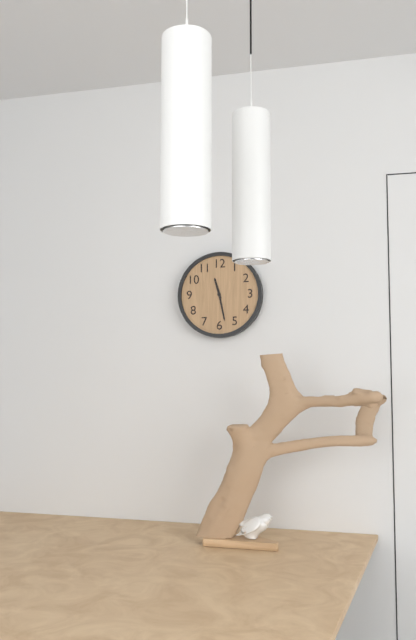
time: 11:28
